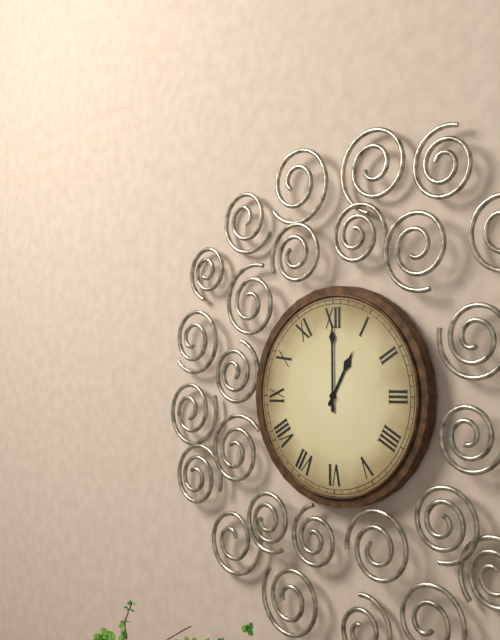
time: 1:00
